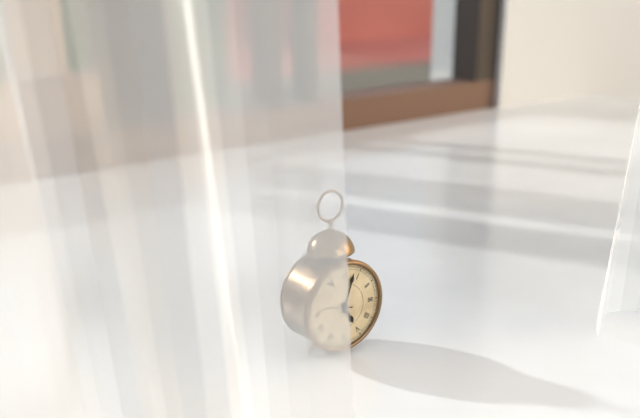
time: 5:03
